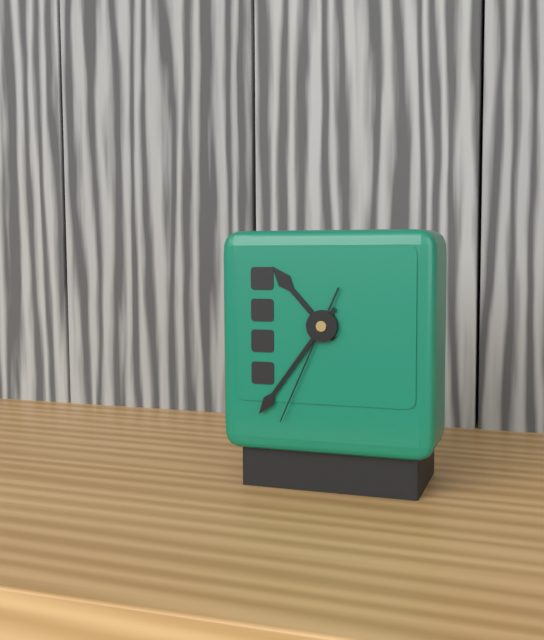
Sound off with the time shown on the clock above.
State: 10:36:34
